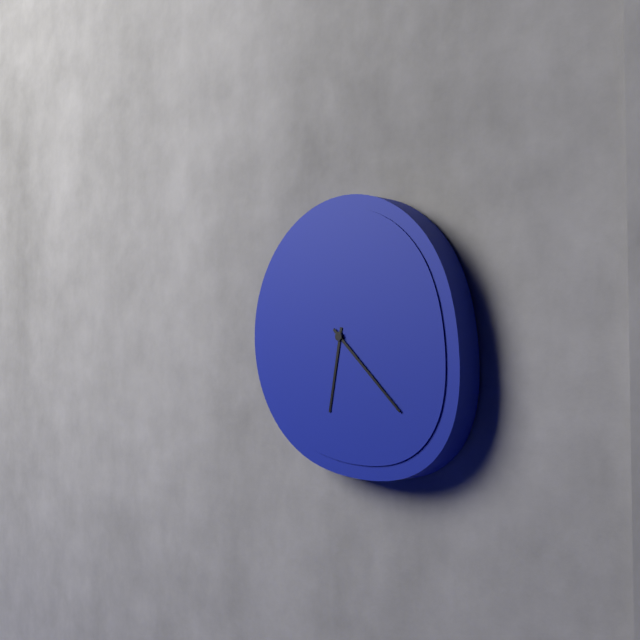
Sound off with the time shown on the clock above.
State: 6:22
